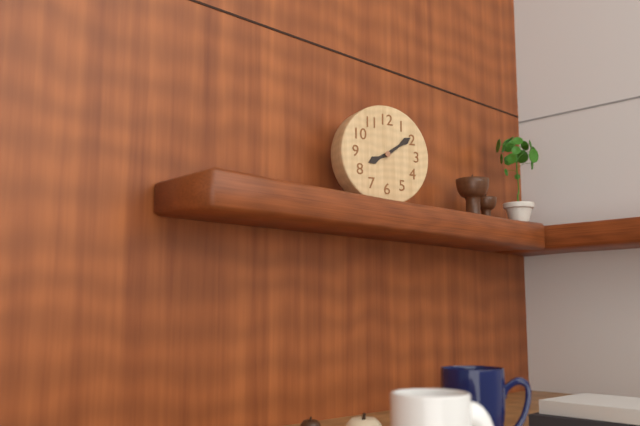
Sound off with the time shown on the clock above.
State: 8:09
